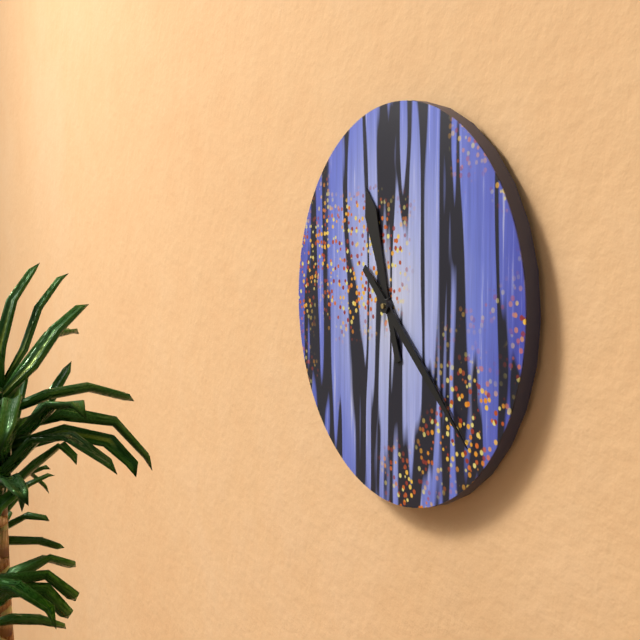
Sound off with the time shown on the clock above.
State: 11:22
